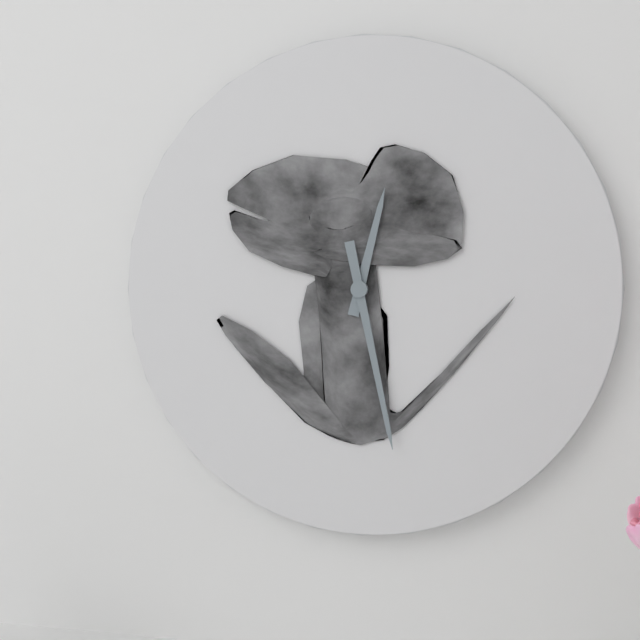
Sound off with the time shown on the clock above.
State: 12:28
